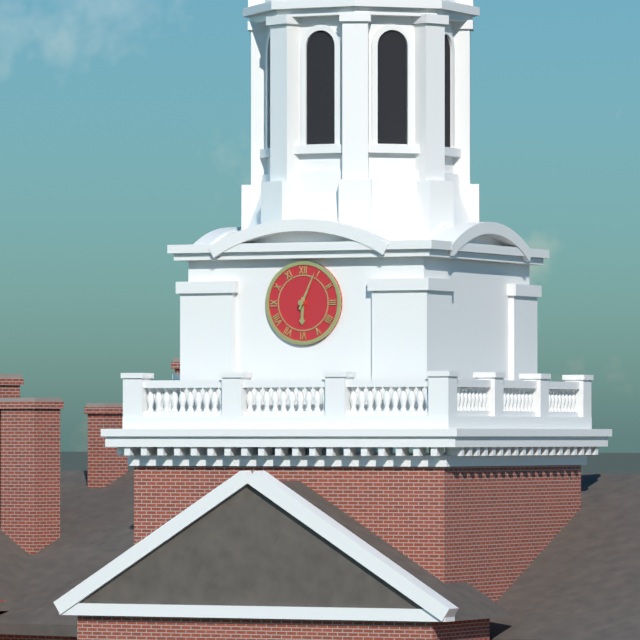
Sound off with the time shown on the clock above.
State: 6:04
